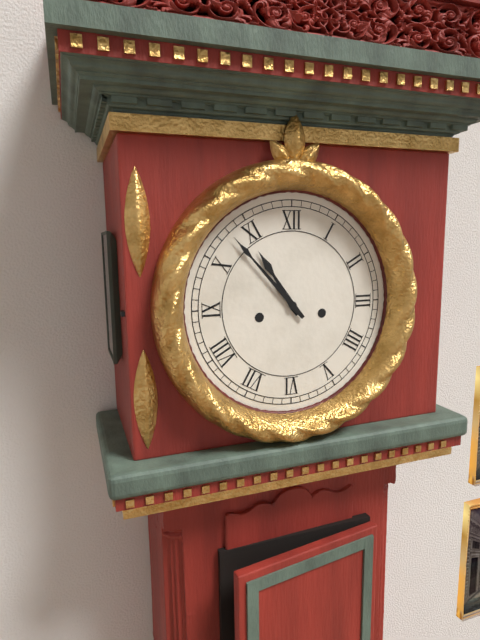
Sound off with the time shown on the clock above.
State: 10:53
